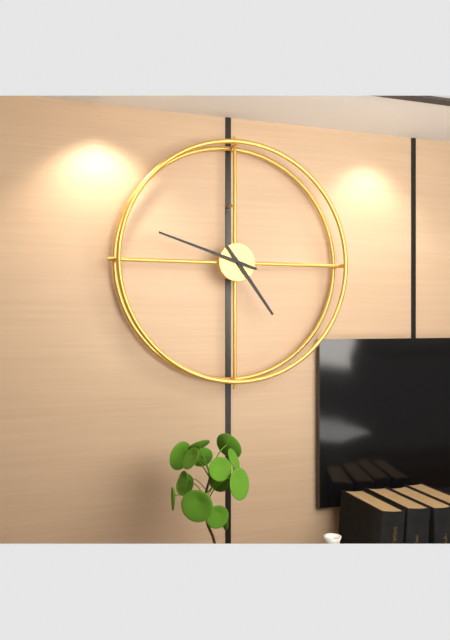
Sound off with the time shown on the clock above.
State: 4:48
